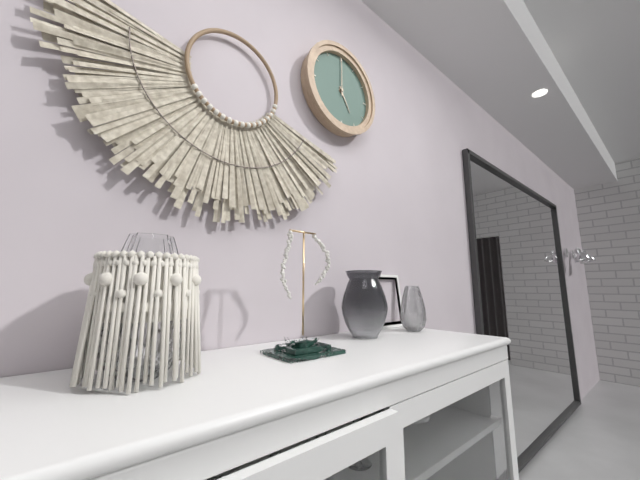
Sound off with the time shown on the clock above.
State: 5:00
